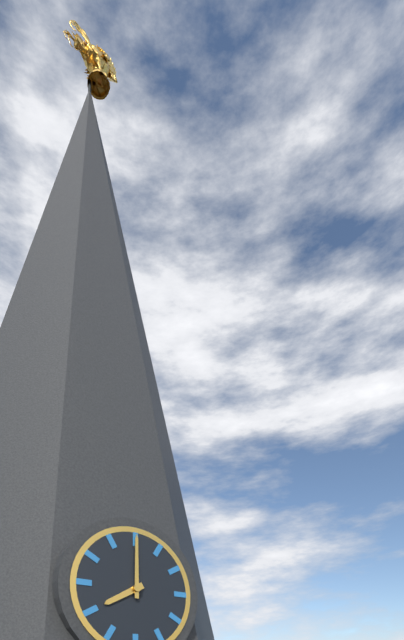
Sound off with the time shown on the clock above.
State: 8:00
